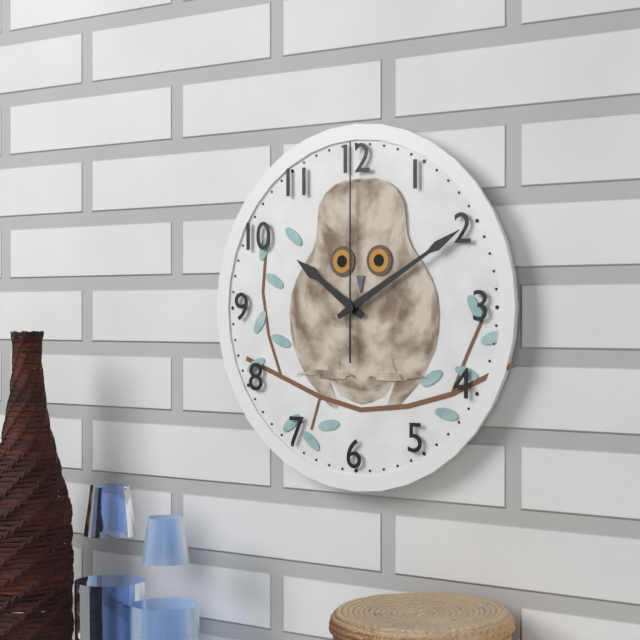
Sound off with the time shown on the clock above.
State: 10:10:00
